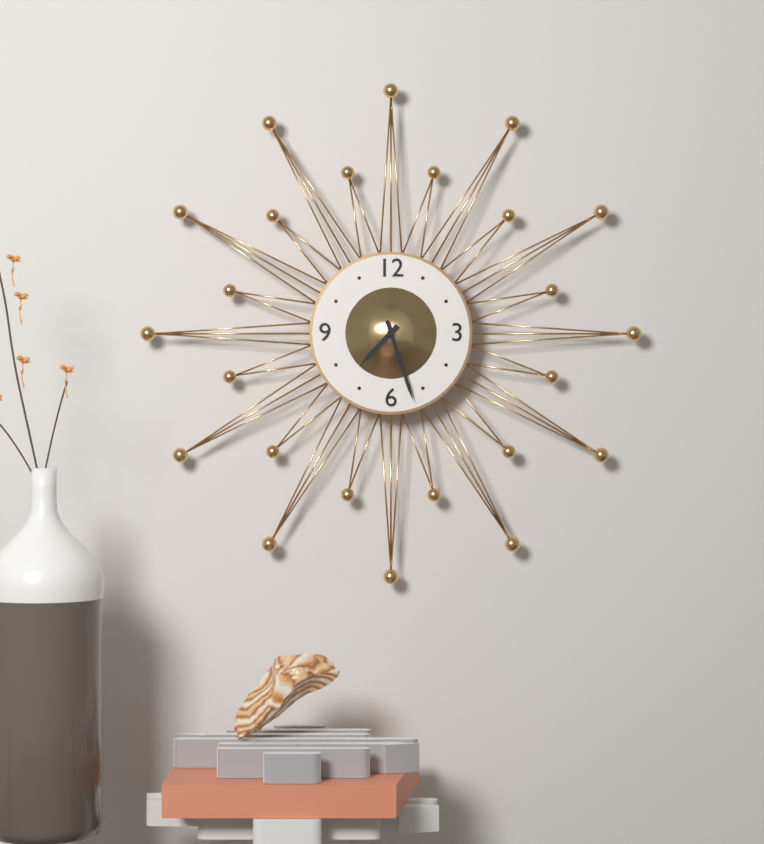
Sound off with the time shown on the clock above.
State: 7:27
